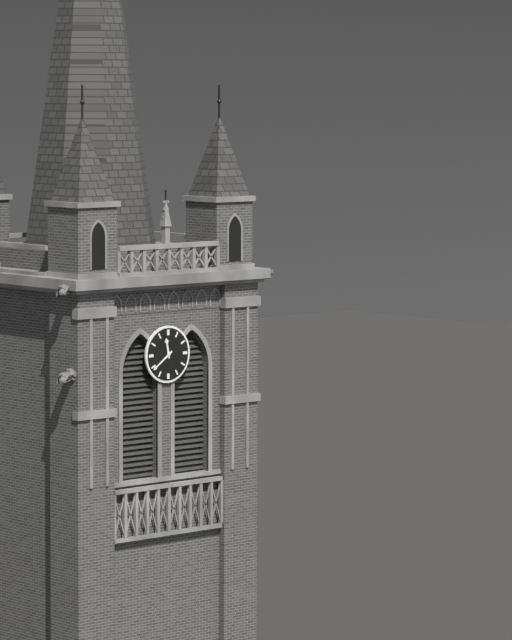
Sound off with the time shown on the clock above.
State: 11:39
